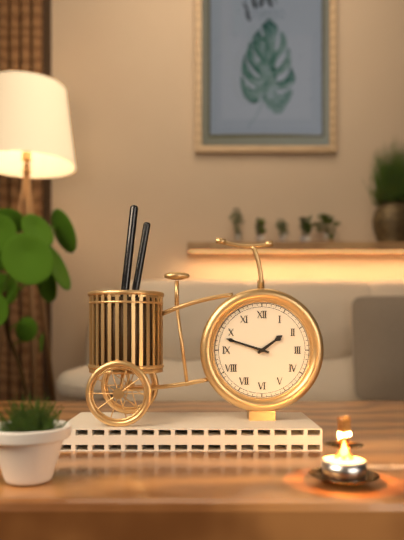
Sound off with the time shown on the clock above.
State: 1:48
